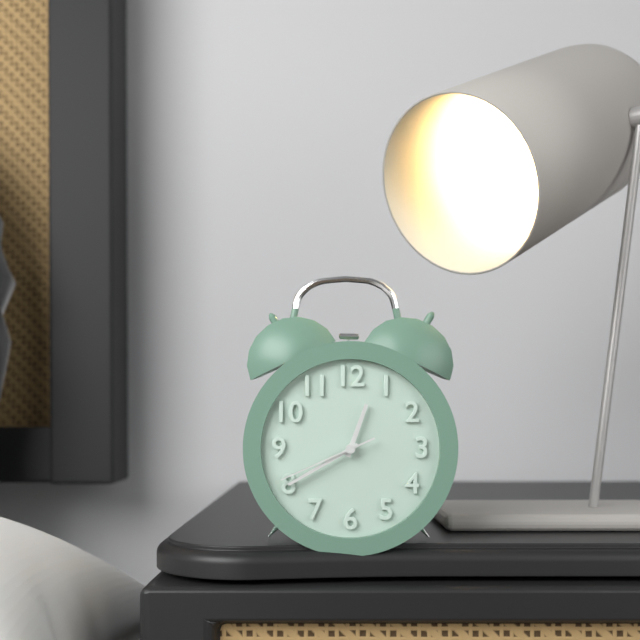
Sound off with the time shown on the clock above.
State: 12:40:41
